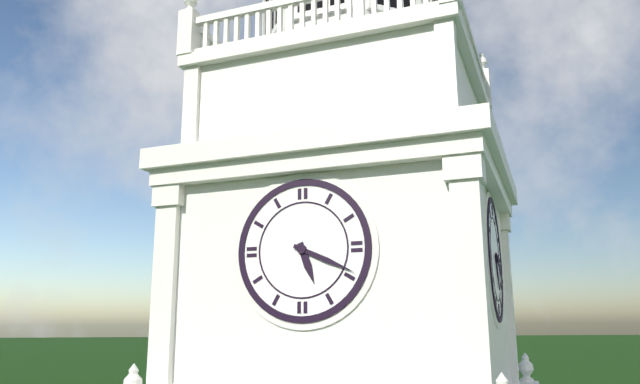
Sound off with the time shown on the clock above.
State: 5:19
